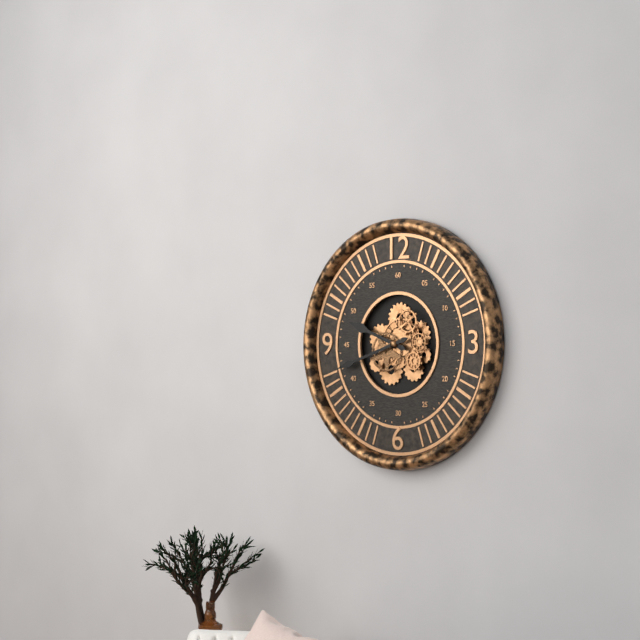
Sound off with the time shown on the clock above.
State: 9:42
